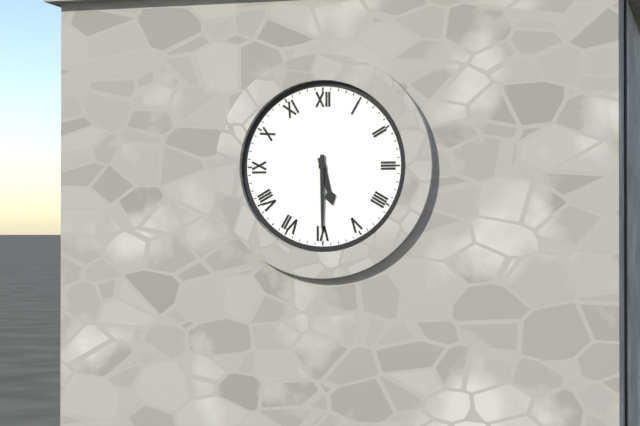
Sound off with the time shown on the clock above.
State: 5:30
